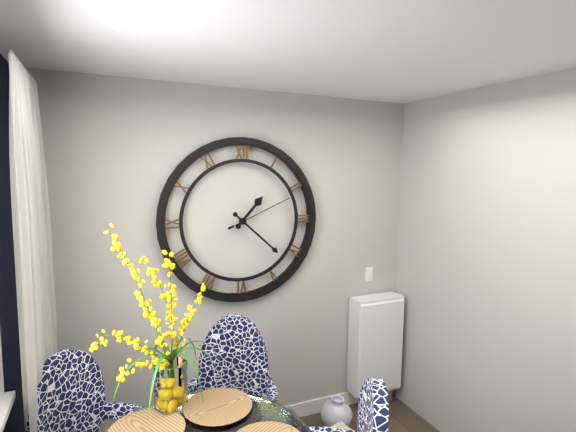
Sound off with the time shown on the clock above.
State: 1:22:11
